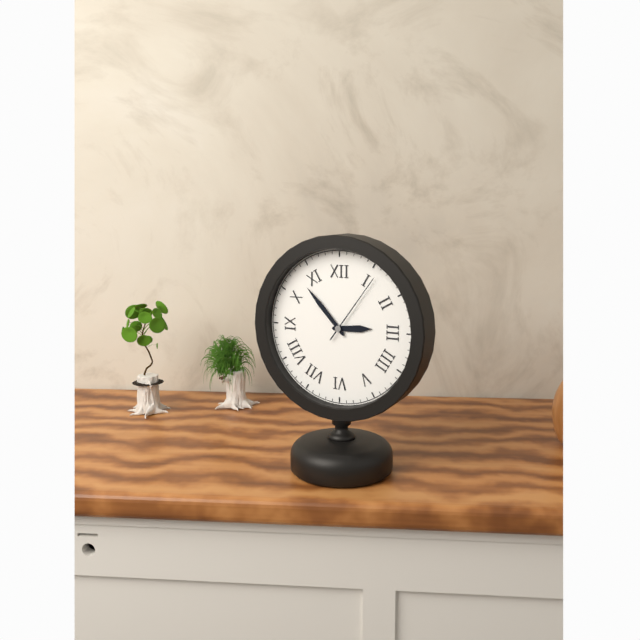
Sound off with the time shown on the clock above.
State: 2:53:06
